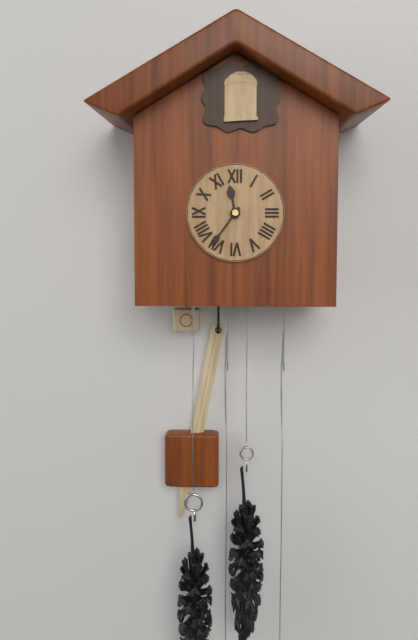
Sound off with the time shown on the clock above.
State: 11:36
